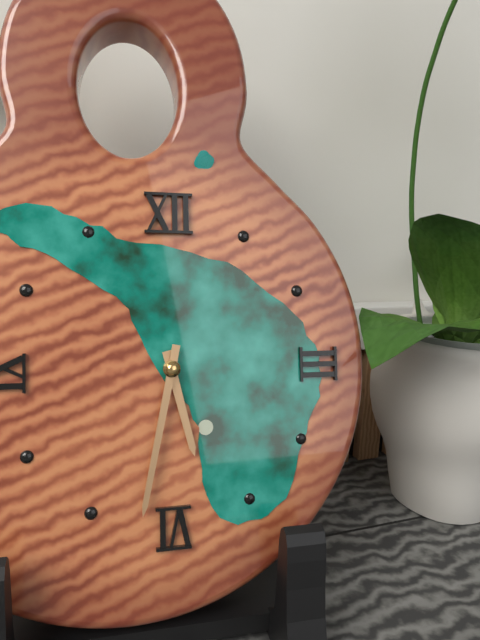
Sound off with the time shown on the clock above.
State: 5:32
